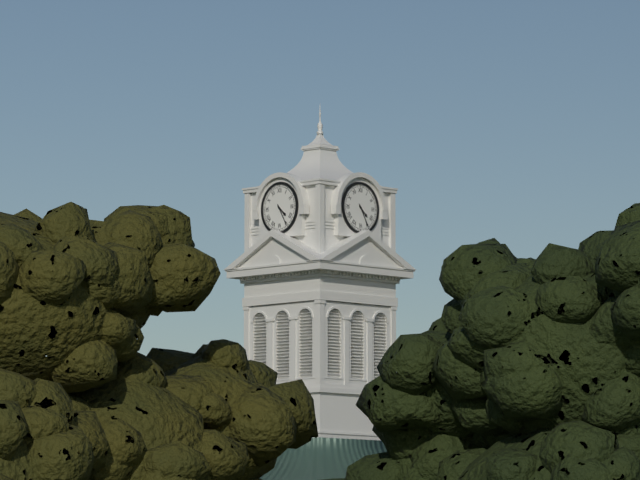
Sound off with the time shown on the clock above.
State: 4:25
